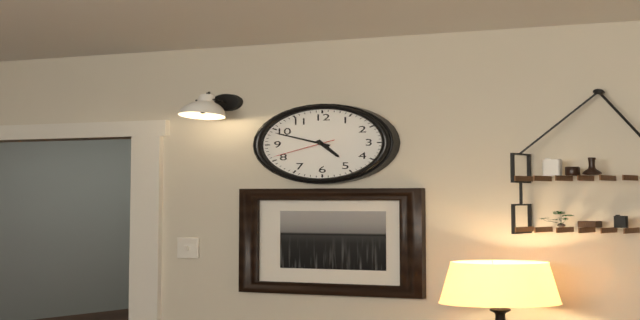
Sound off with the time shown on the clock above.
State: 4:49:41
